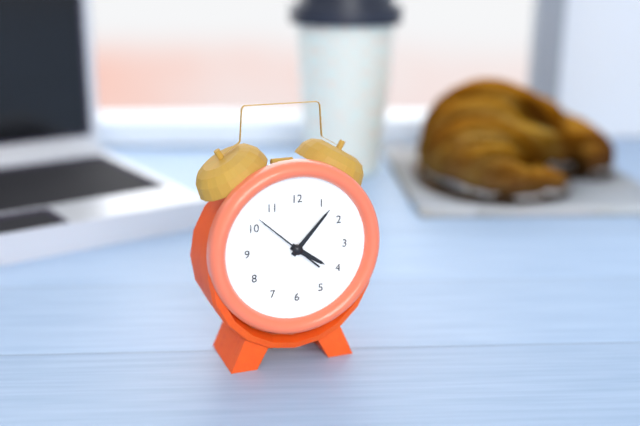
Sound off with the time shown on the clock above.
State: 4:07:52
